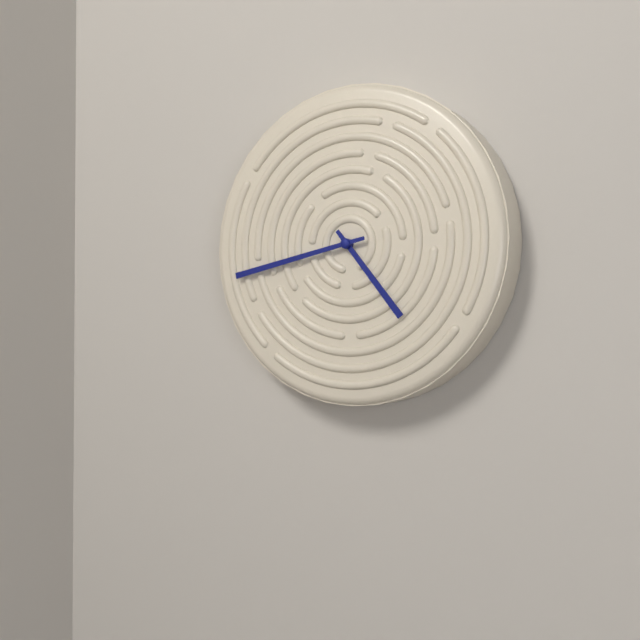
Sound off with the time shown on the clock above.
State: 4:43
